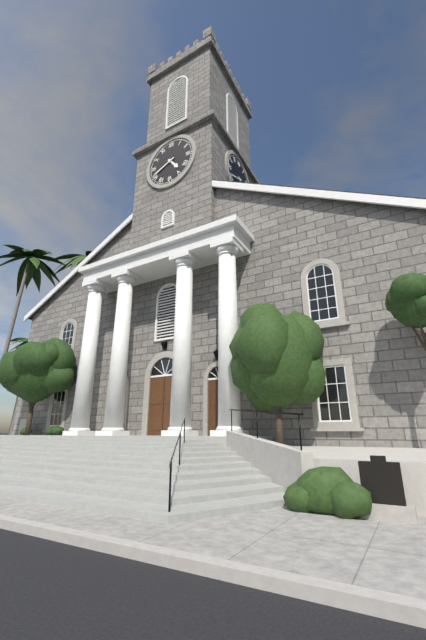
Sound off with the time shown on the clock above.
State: 4:41
